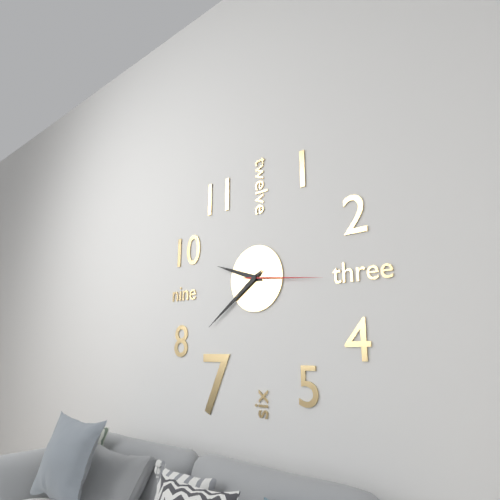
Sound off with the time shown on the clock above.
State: 9:39:16
